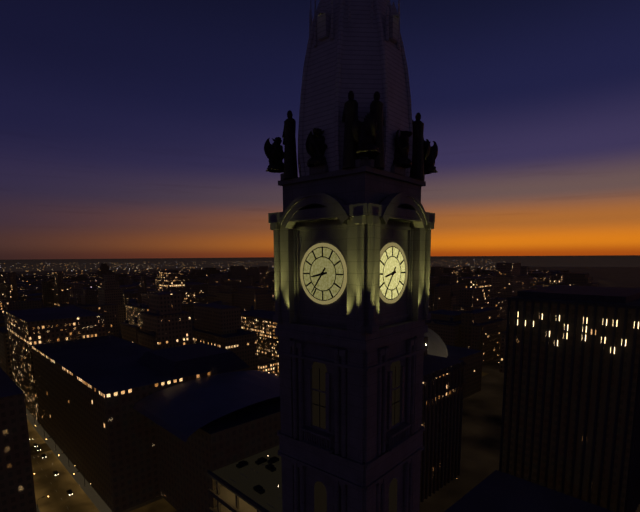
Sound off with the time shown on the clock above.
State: 8:36
